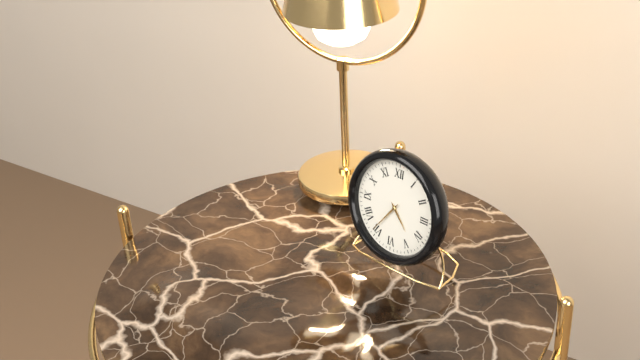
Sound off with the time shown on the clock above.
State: 4:36
